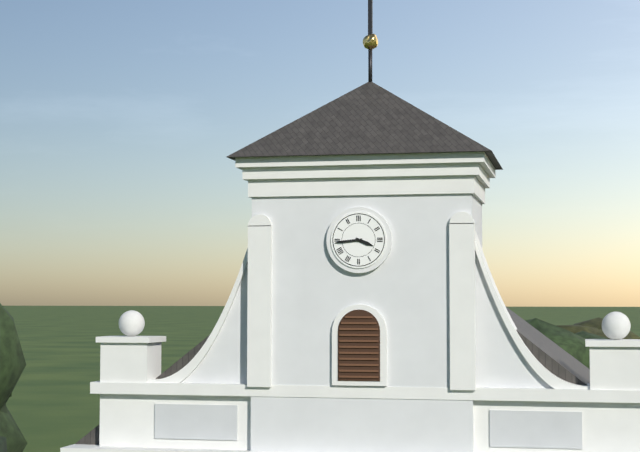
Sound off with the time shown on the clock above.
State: 3:44
